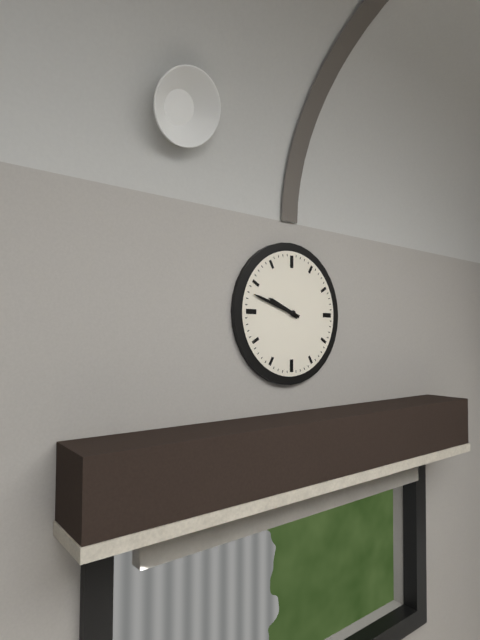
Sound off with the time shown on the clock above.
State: 9:48
